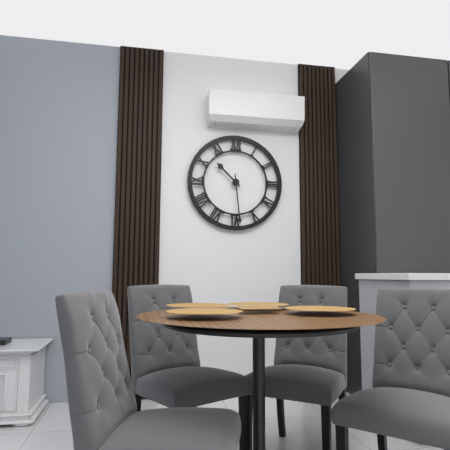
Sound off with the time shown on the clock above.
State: 10:29
